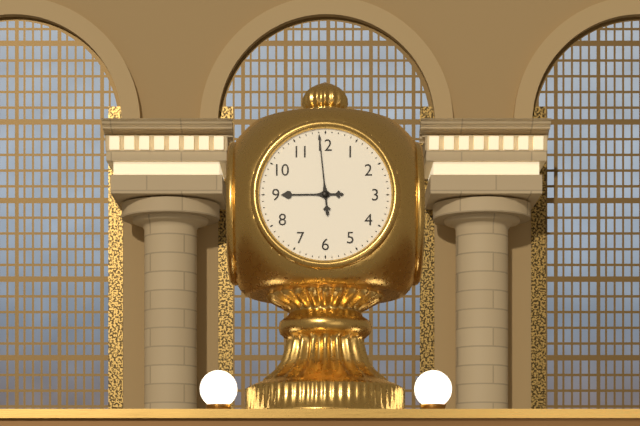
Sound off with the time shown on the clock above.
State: 8:59
